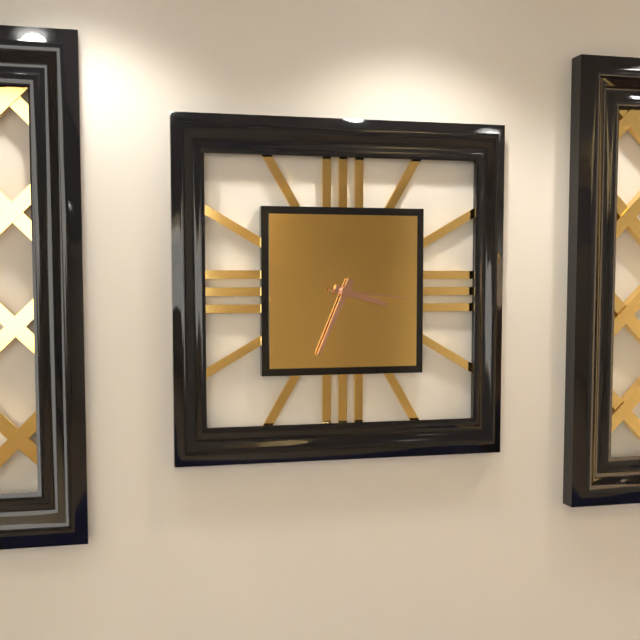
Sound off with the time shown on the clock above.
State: 3:34:16
